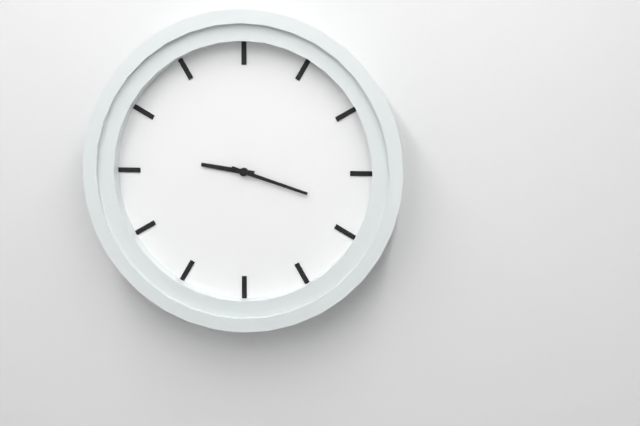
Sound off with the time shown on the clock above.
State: 9:18
